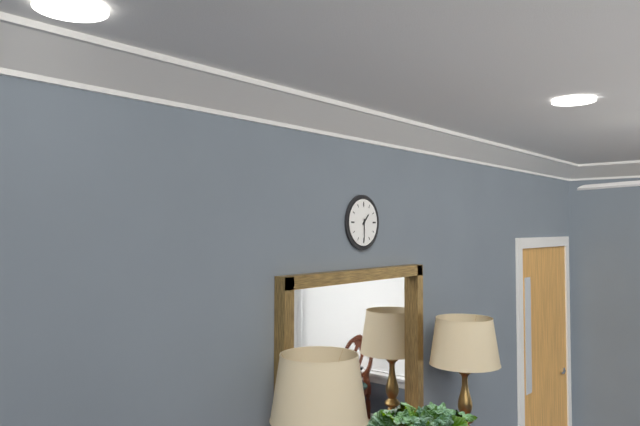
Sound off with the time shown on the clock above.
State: 1:30
